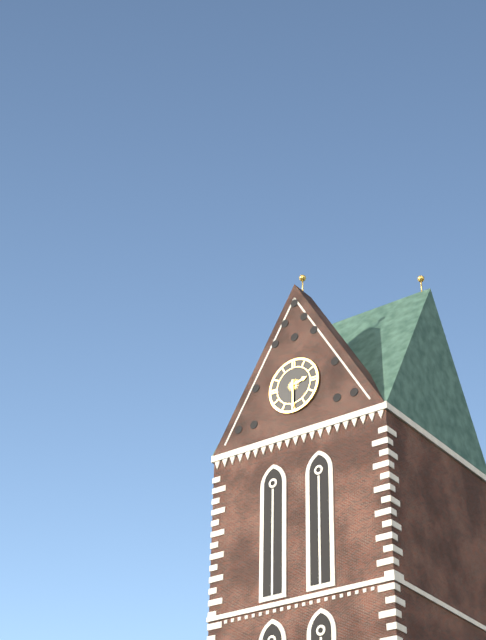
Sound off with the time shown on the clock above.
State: 2:30
